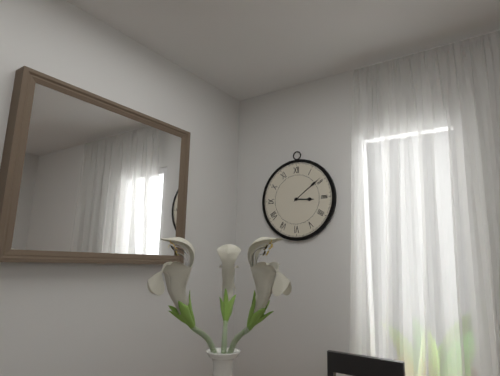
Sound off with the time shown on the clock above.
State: 3:09
